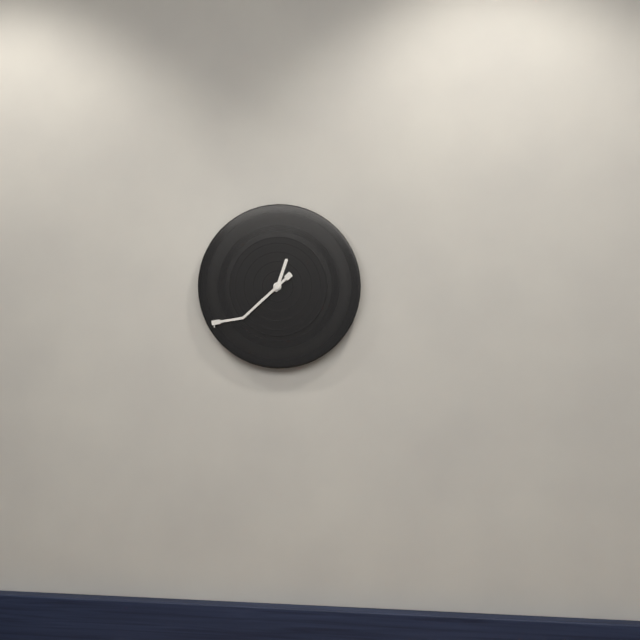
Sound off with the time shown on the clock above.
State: 12:38
